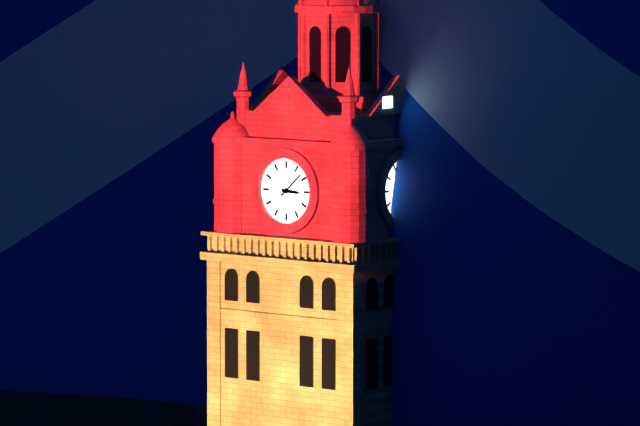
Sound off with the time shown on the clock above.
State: 3:08
